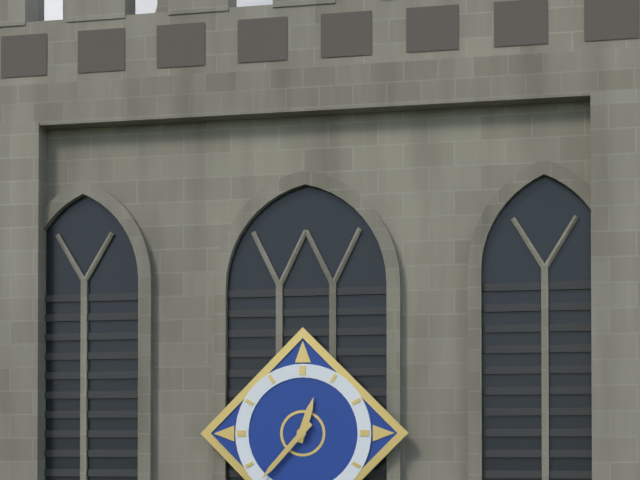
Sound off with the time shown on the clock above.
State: 12:37
